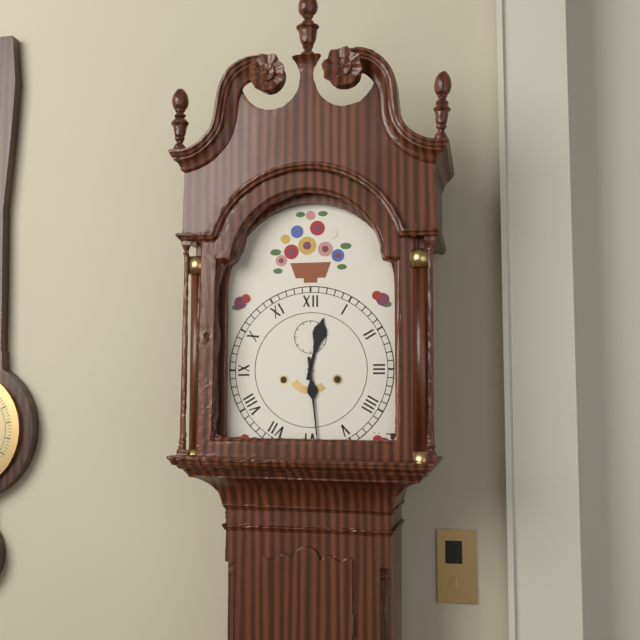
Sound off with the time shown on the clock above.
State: 12:29
